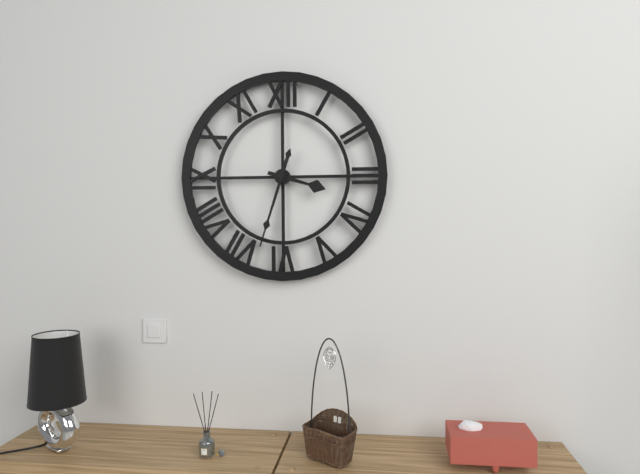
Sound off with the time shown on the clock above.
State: 3:33
